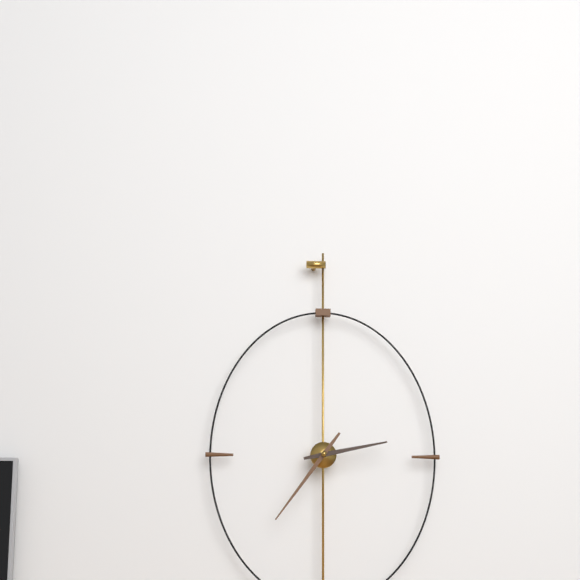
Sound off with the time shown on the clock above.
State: 2:36
